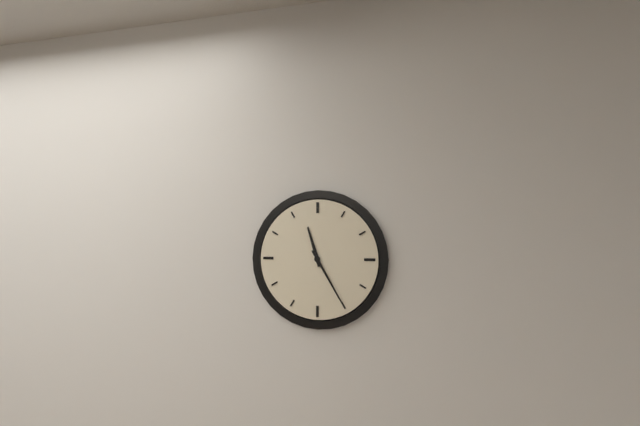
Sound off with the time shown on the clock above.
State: 11:25
